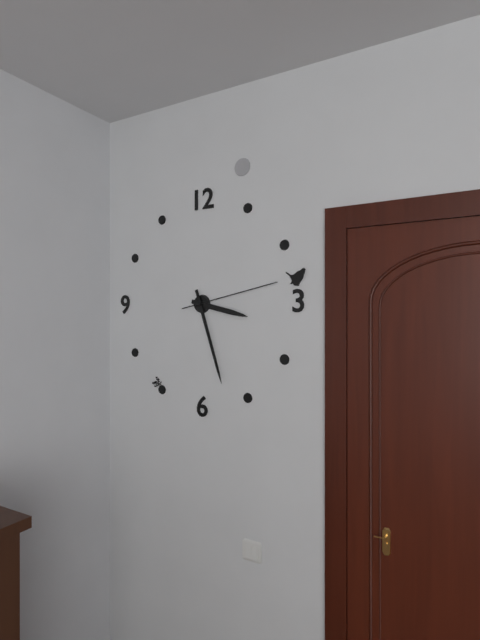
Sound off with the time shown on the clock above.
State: 3:27:13
